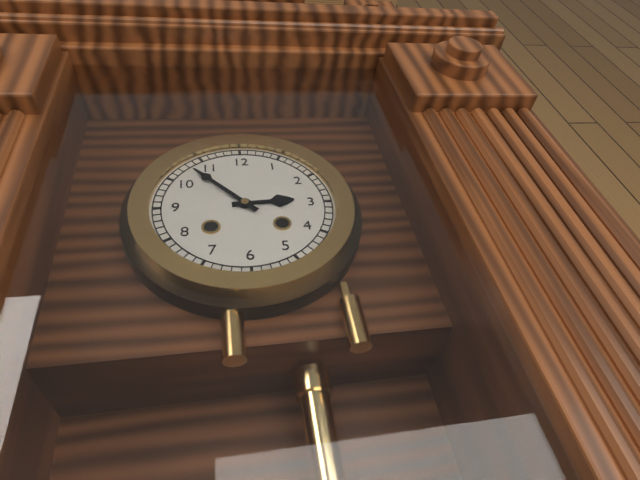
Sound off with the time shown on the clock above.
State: 2:53
